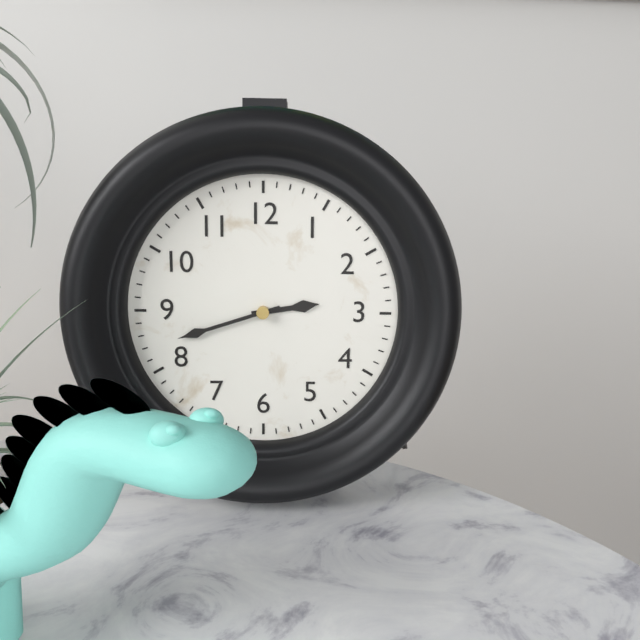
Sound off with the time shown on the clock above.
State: 2:42
